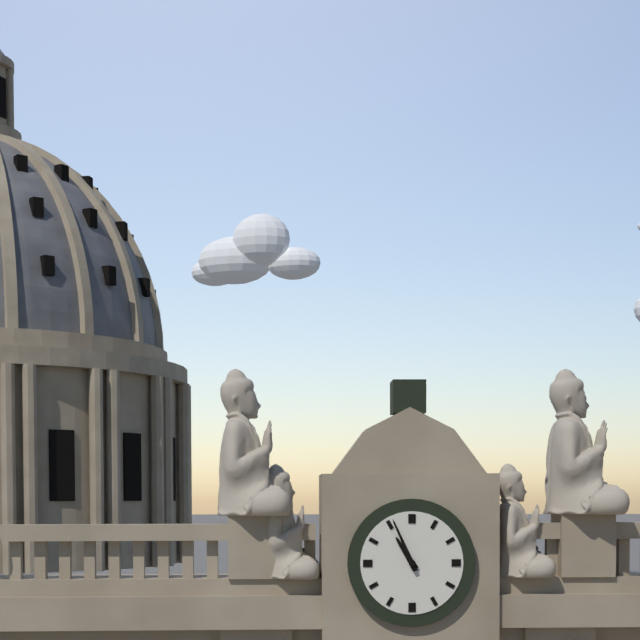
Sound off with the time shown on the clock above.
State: 10:56
